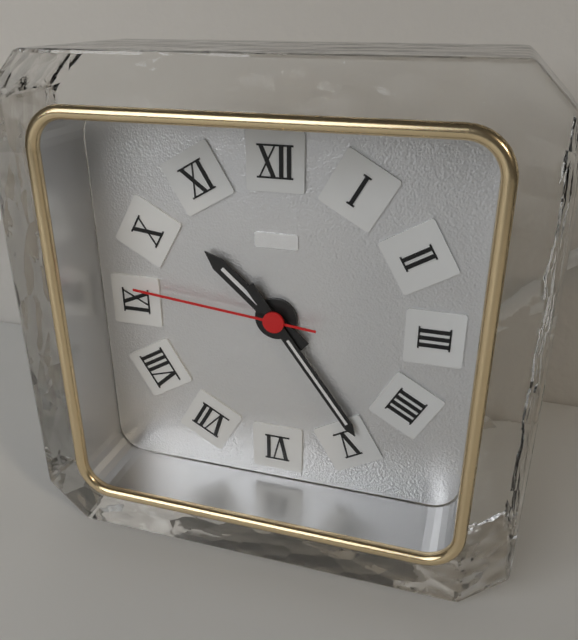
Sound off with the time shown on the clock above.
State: 10:24:46
